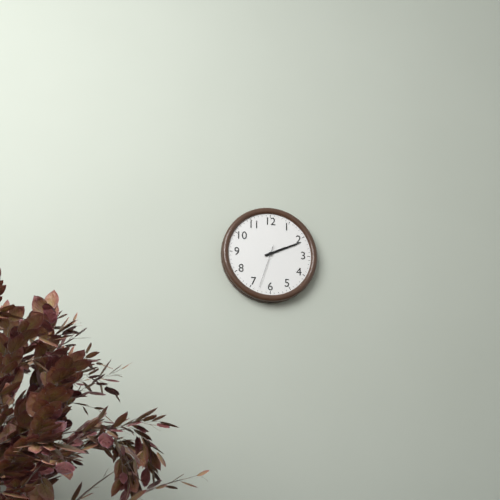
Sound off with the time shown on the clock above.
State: 2:11
